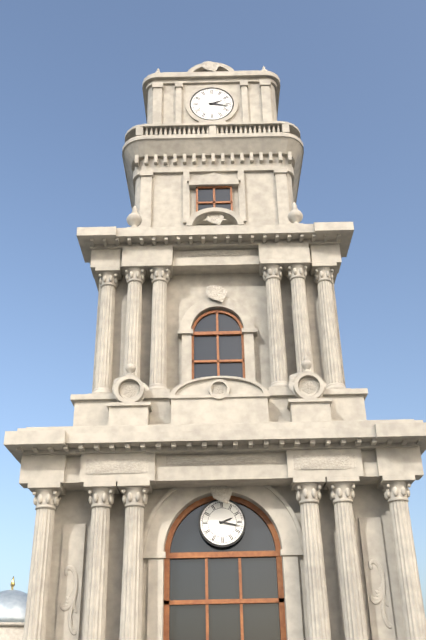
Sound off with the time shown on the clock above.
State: 2:17
